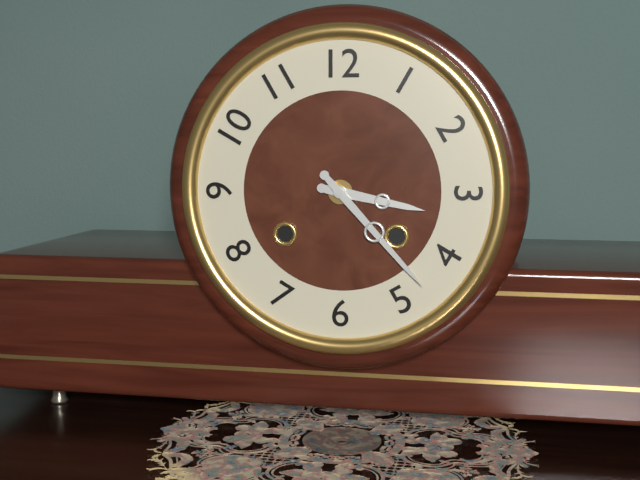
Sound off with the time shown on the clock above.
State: 3:23
